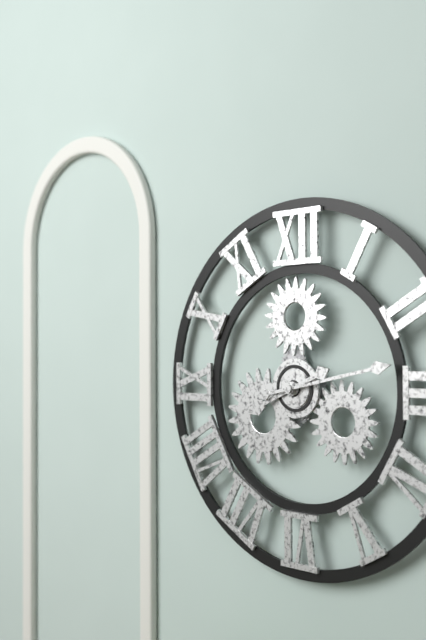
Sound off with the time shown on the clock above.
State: 8:13
